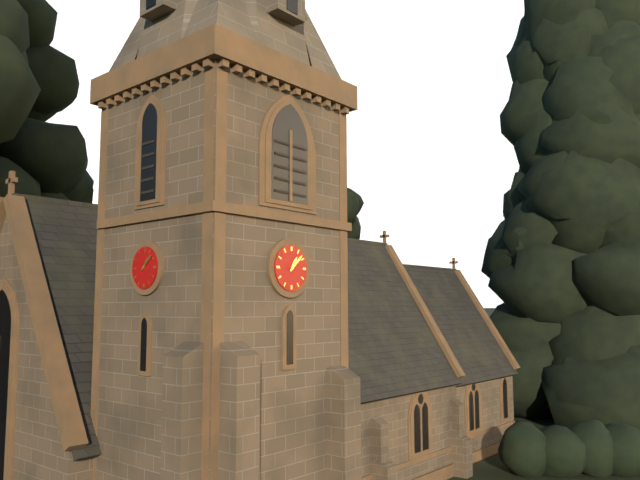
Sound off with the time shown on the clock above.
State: 1:08
